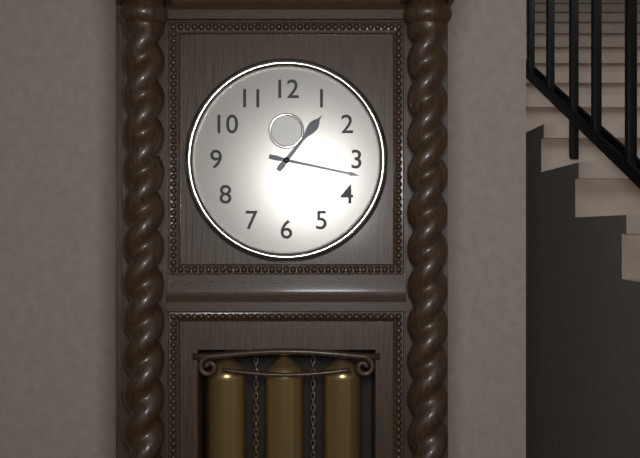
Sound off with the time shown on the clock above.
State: 1:17
